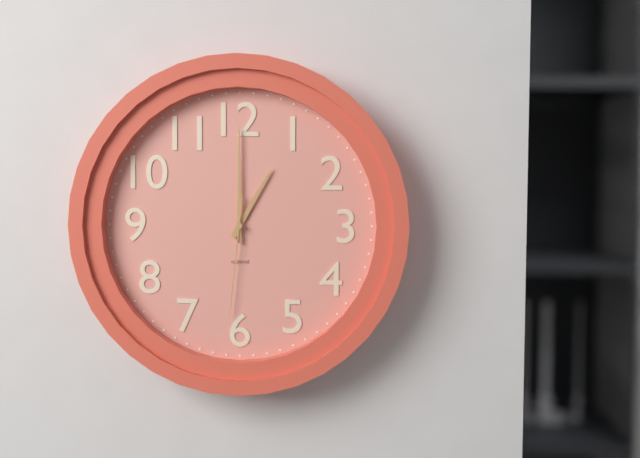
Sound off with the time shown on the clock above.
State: 1:00:31
